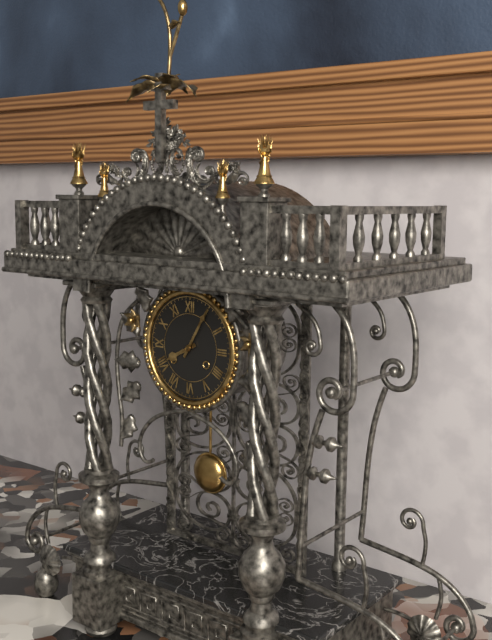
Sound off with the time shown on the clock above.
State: 8:05
